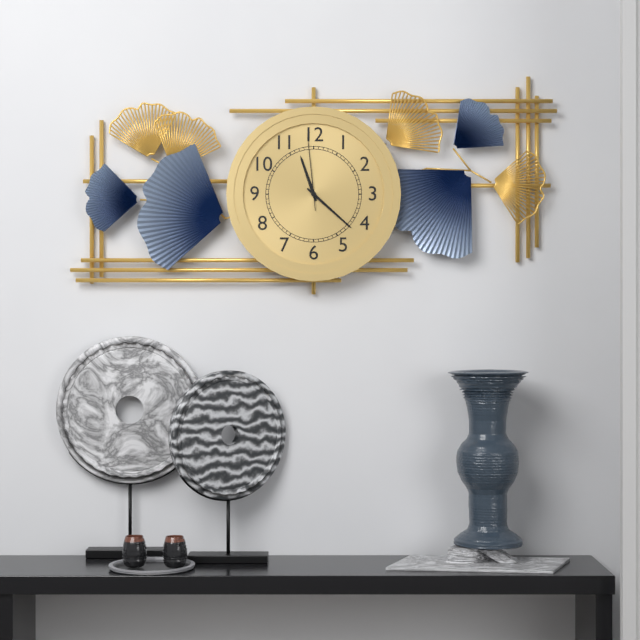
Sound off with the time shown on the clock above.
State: 11:22:59
